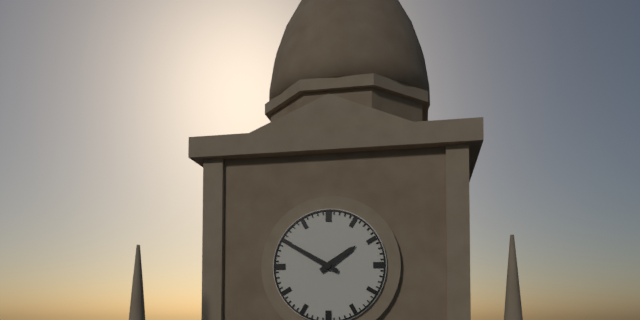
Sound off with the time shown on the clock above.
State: 1:50
